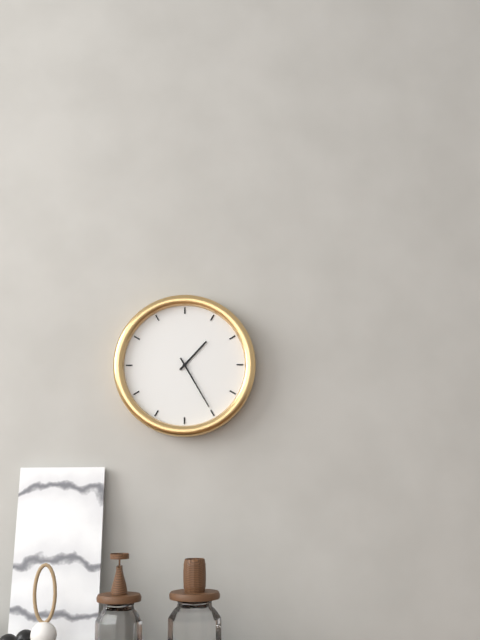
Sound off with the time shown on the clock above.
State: 1:25
